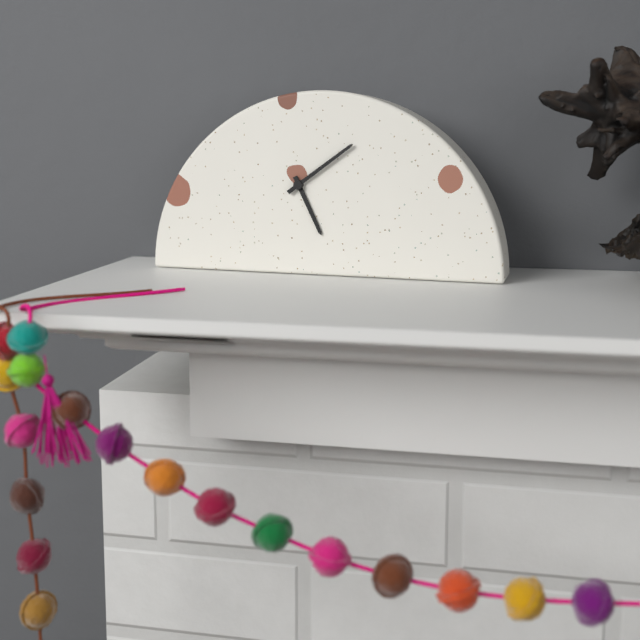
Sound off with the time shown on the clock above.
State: 5:09
